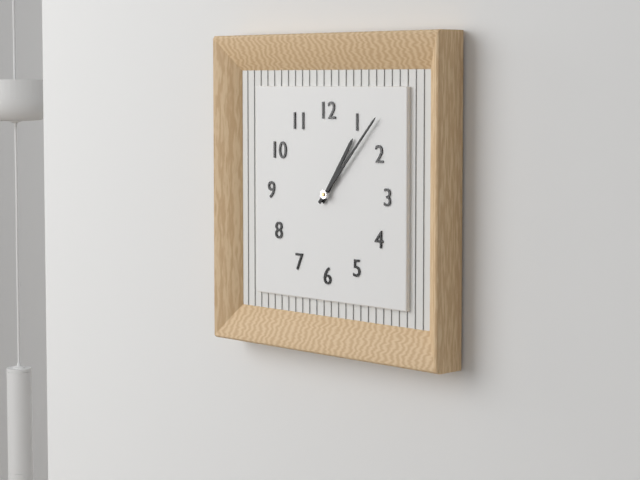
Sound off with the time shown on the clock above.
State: 1:07
